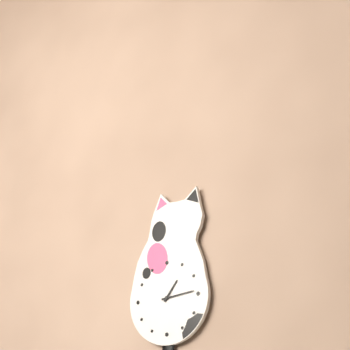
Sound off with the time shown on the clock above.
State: 1:14
